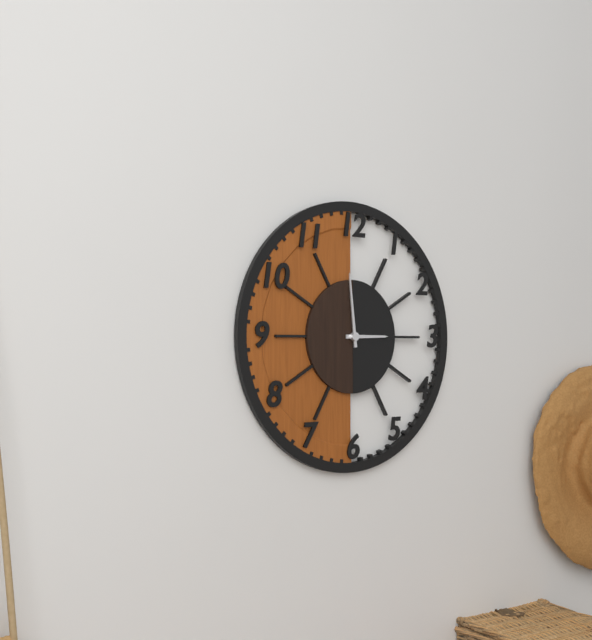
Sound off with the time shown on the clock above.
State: 2:59
